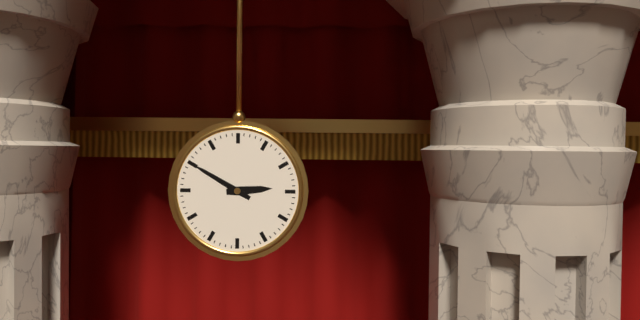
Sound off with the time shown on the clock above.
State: 2:50
